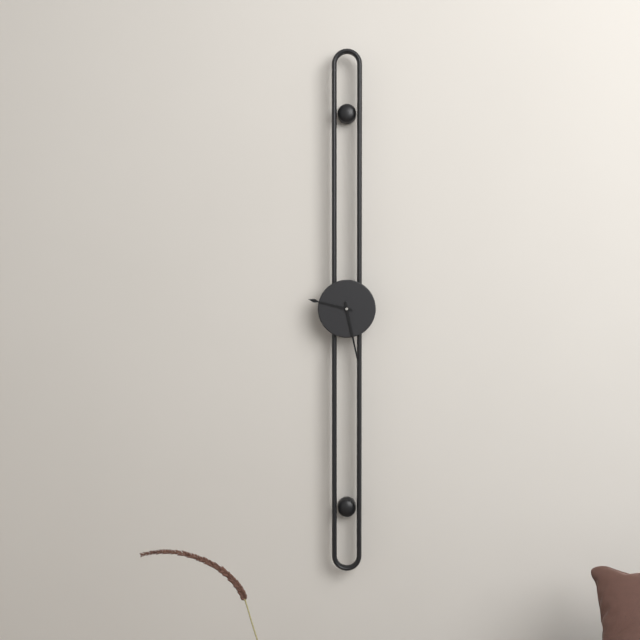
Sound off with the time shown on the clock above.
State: 9:28
